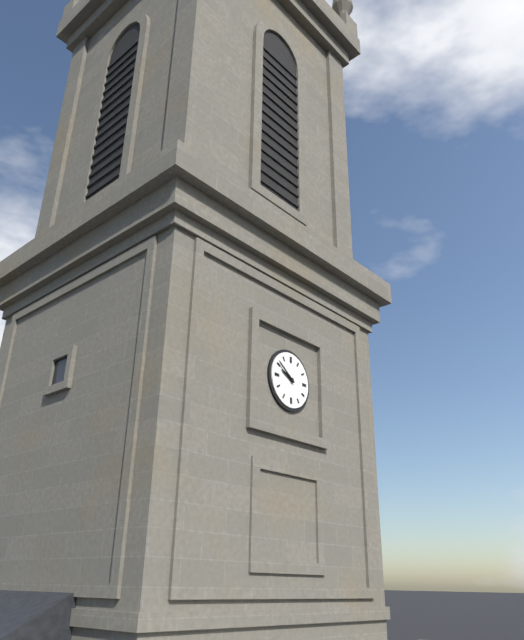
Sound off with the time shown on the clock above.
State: 9:51
